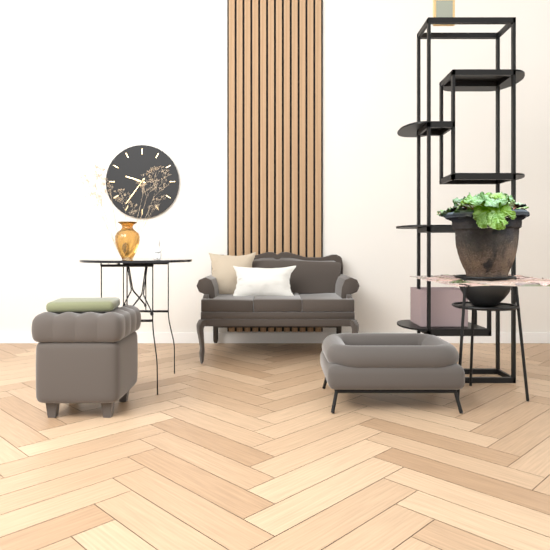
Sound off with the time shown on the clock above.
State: 9:36
